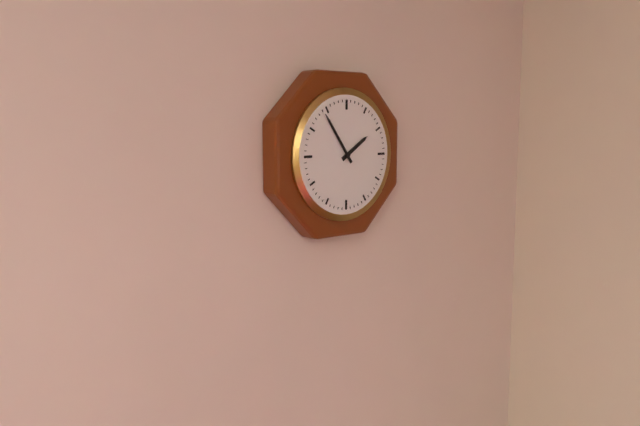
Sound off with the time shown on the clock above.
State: 1:54
